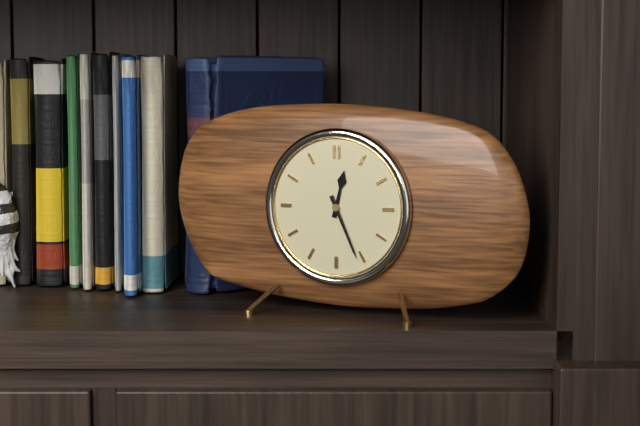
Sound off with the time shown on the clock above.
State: 12:26
